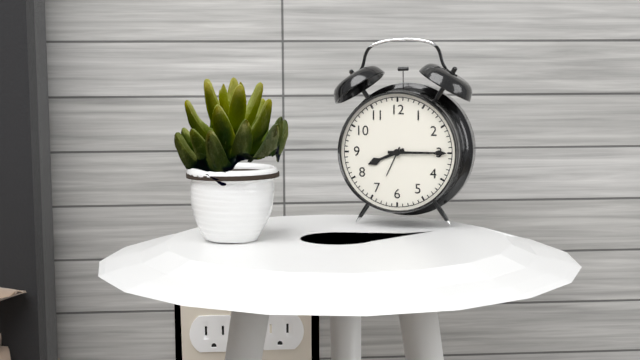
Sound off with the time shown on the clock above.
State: 8:15
